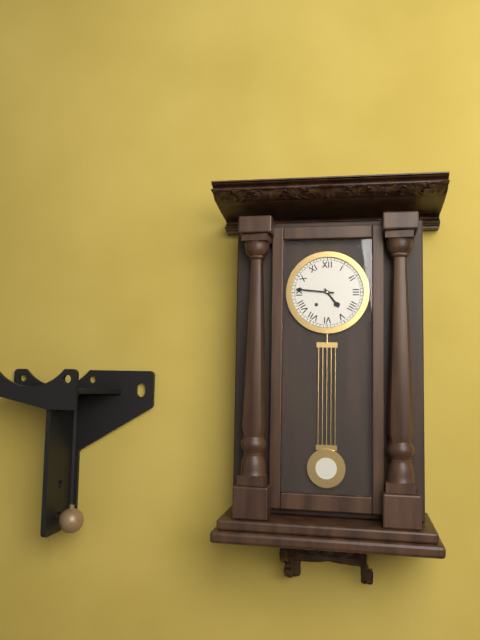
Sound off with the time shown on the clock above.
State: 4:46
